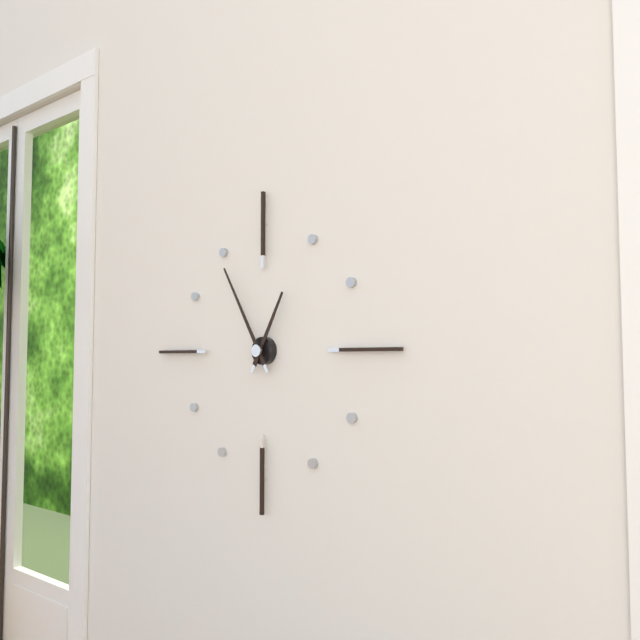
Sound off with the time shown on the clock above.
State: 12:55
